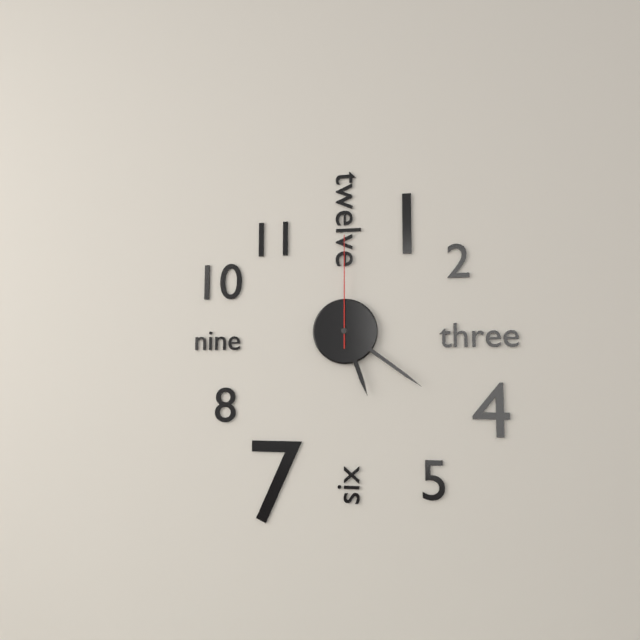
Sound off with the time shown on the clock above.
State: 5:21:00
